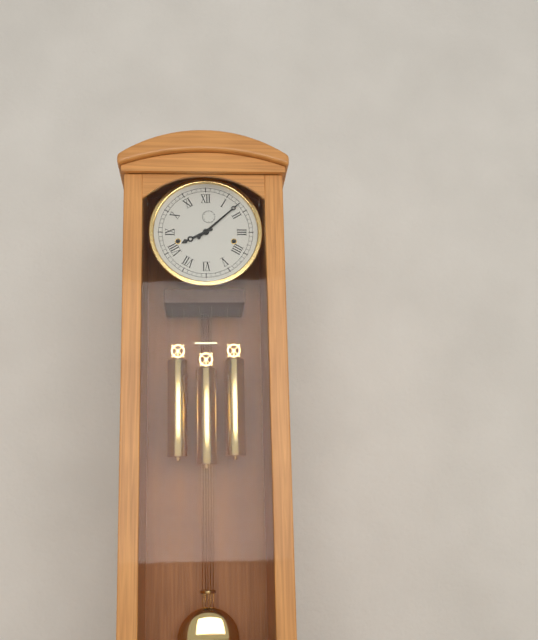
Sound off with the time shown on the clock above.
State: 8:08
